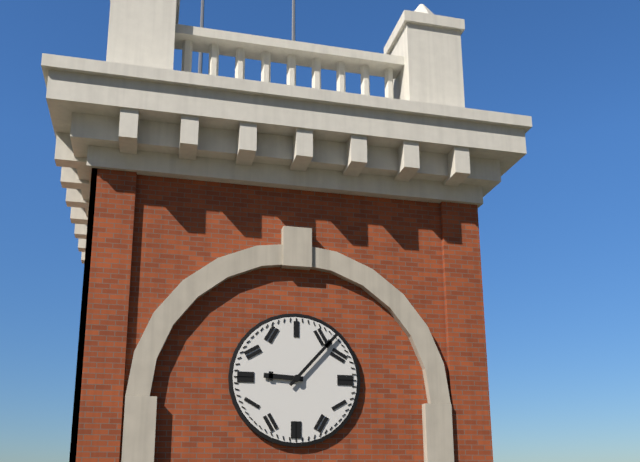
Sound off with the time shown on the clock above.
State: 9:07
